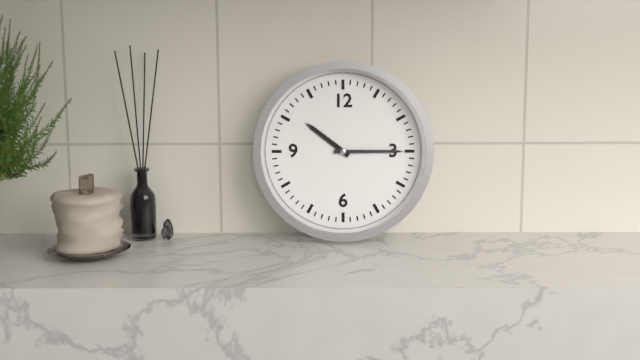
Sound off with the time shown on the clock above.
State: 10:15
